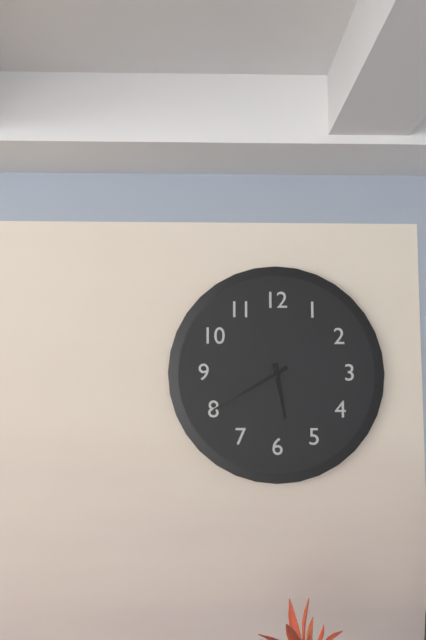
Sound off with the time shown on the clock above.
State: 5:40
